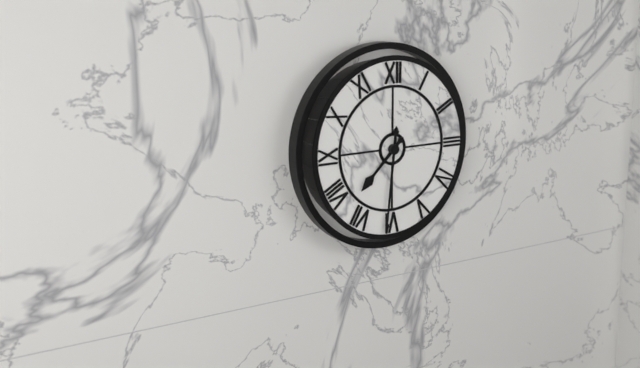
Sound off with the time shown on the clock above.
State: 7:31
